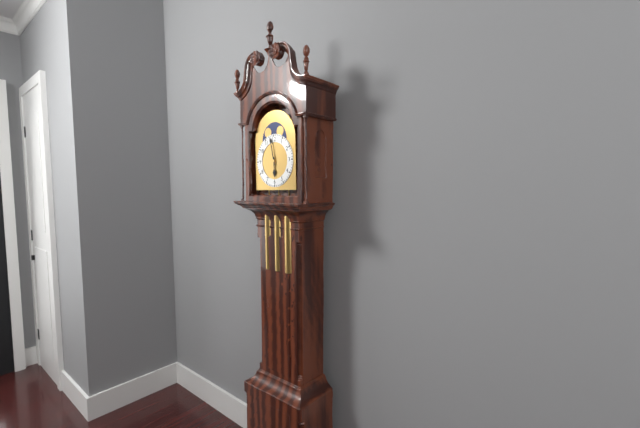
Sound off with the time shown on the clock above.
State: 5:58
